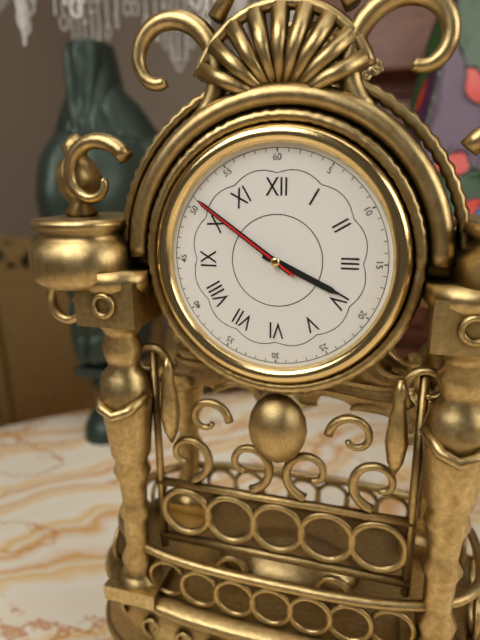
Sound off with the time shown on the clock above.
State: 3:51:51
